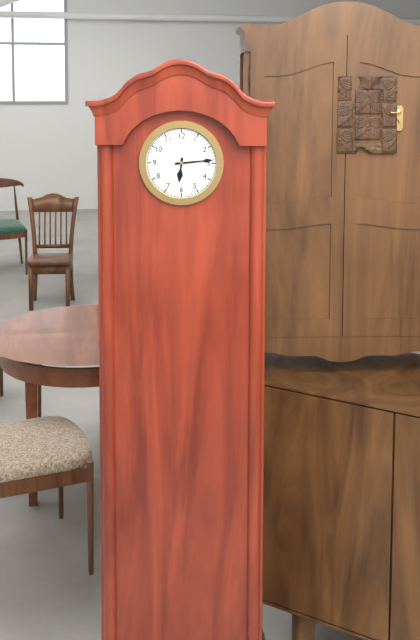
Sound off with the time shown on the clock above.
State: 6:14
